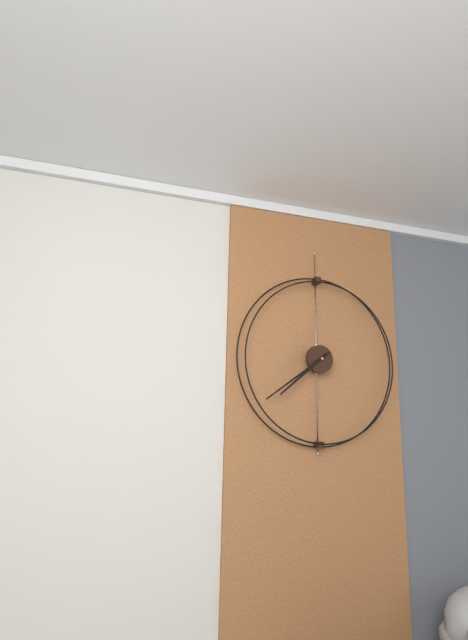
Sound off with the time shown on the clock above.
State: 7:39
